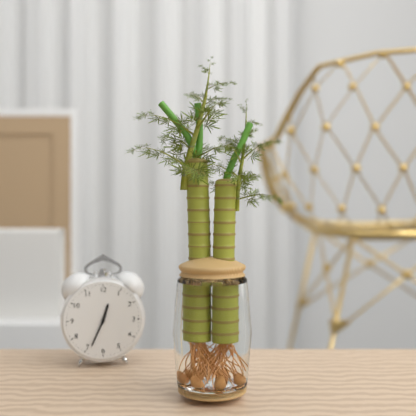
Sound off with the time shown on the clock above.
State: 12:34
